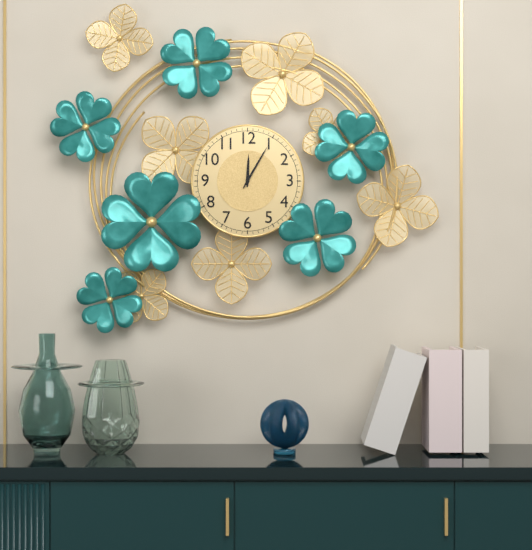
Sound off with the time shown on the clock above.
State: 12:05
